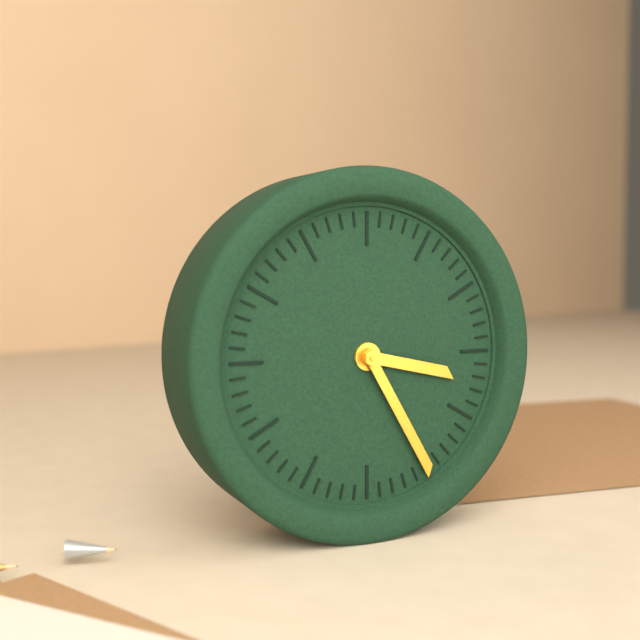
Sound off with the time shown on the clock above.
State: 3:25
